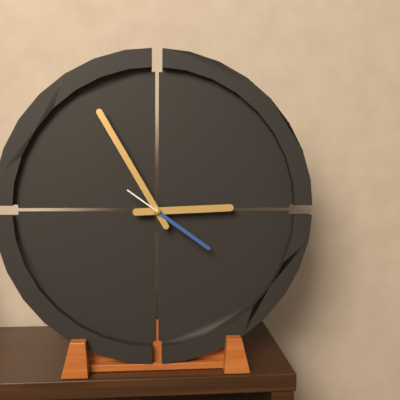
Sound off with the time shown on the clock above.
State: 2:55:21
